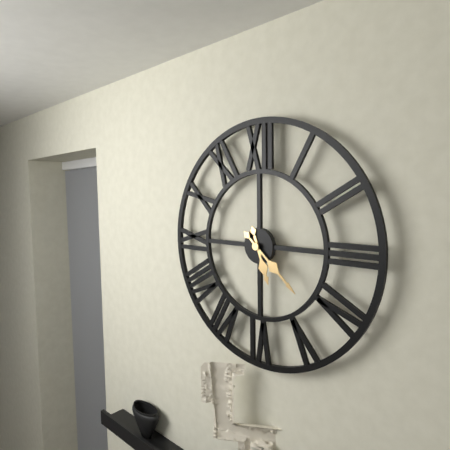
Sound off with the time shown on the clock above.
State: 5:22
